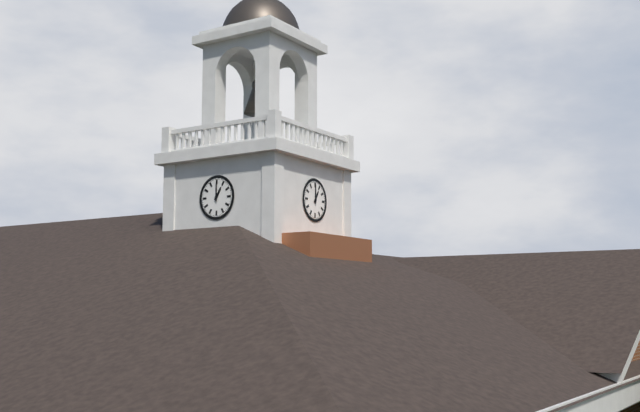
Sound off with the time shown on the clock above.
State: 1:00
